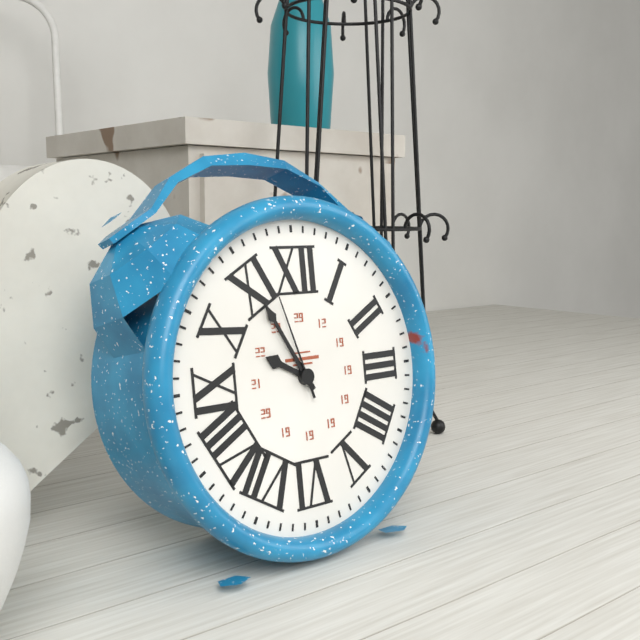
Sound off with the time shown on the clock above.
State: 9:55:57
